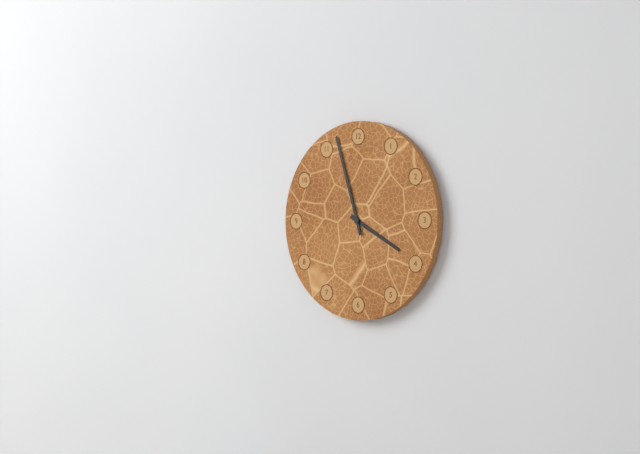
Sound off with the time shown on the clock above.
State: 3:57
